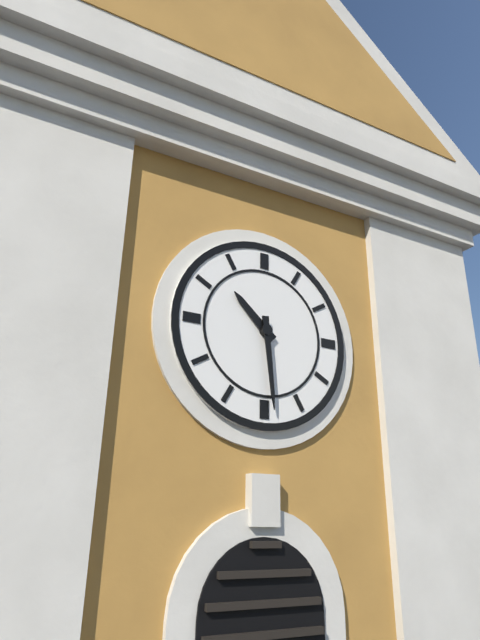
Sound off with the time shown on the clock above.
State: 10:29
